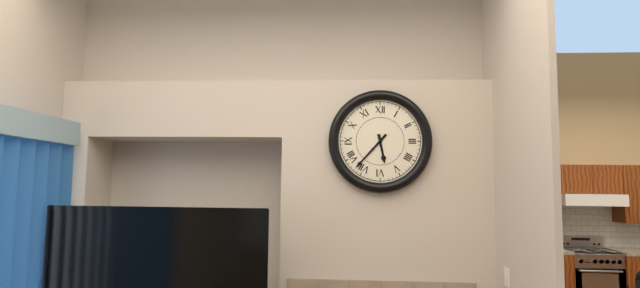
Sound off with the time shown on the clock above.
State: 5:37
